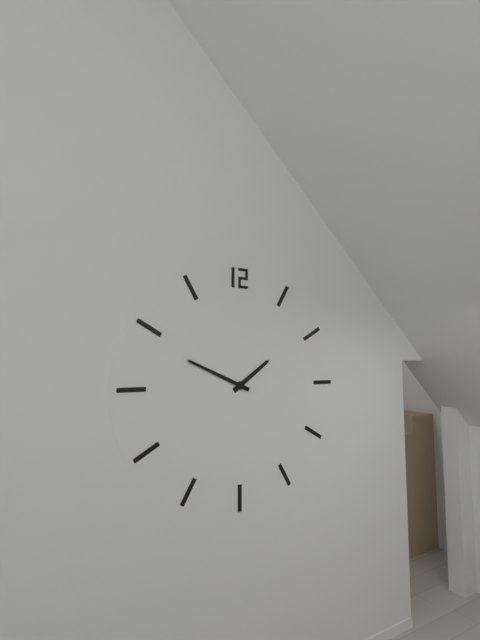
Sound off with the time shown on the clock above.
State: 1:49
